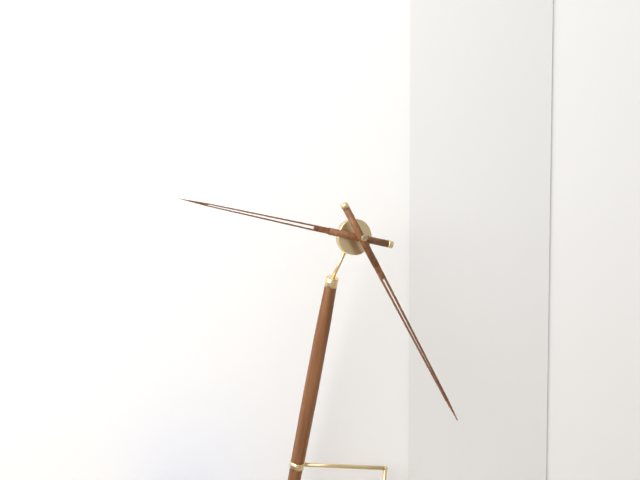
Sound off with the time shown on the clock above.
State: 9:25
